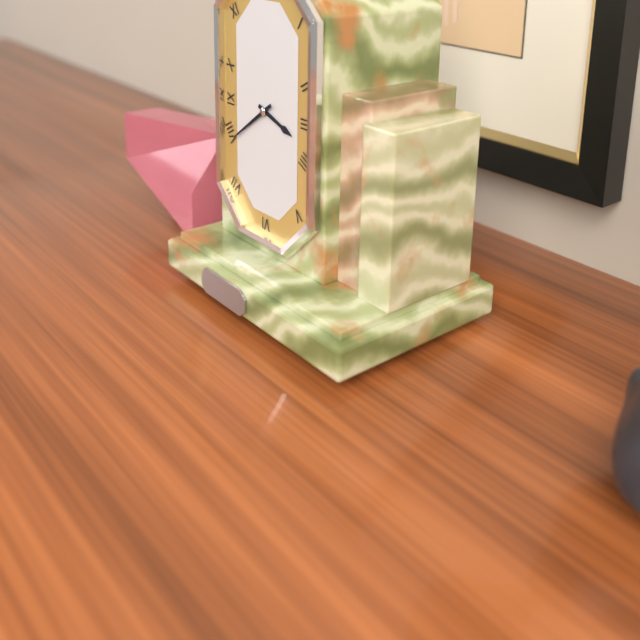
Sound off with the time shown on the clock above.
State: 3:39
